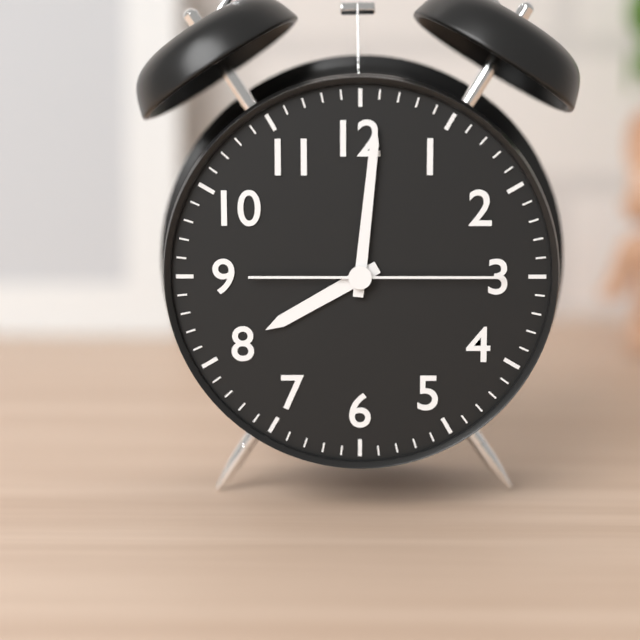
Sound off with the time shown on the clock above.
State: 8:01:15
